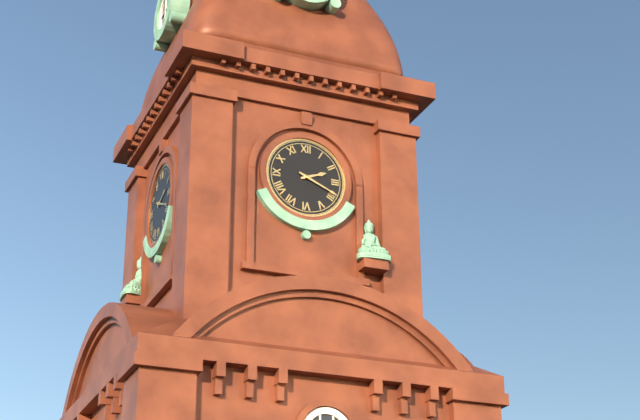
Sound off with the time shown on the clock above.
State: 2:19
